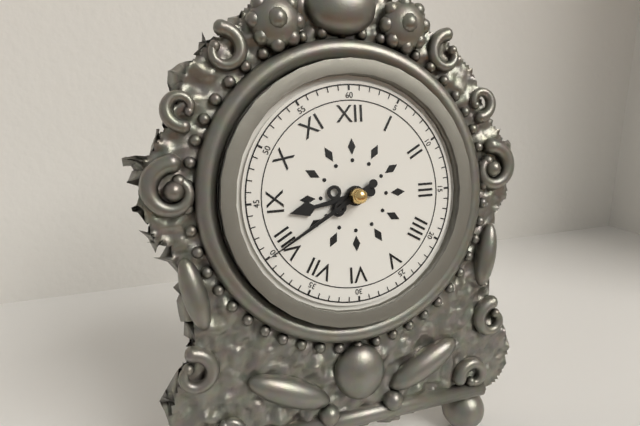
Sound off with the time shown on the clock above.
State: 8:40
